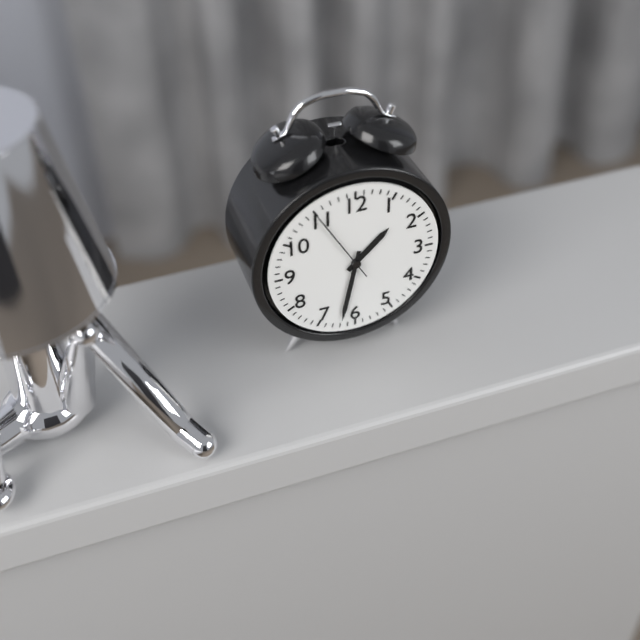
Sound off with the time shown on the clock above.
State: 1:32:55
